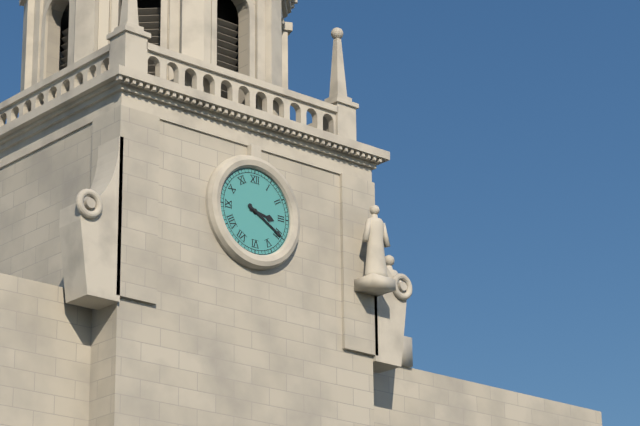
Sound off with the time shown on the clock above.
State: 3:20
